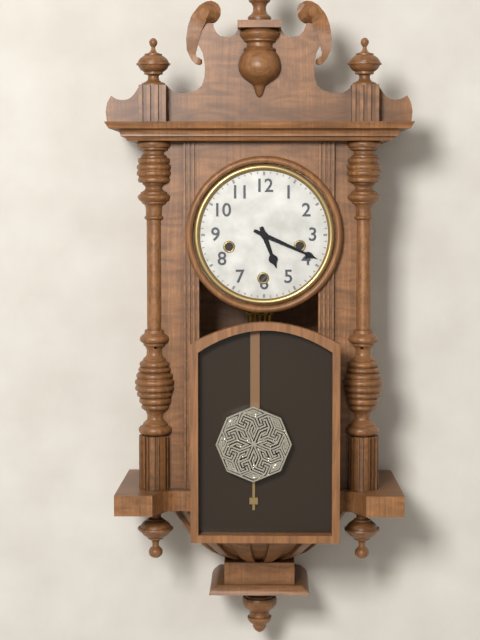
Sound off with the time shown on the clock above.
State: 5:19
